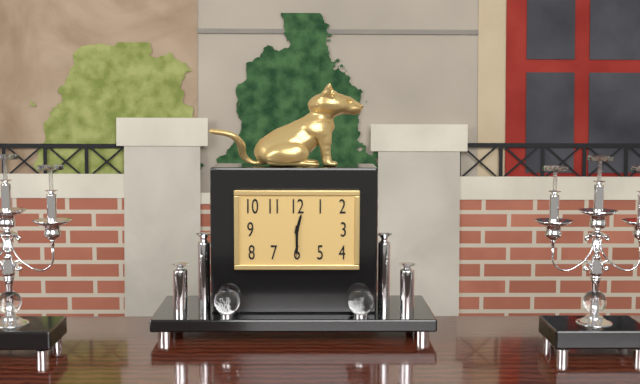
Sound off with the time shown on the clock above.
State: 12:30
